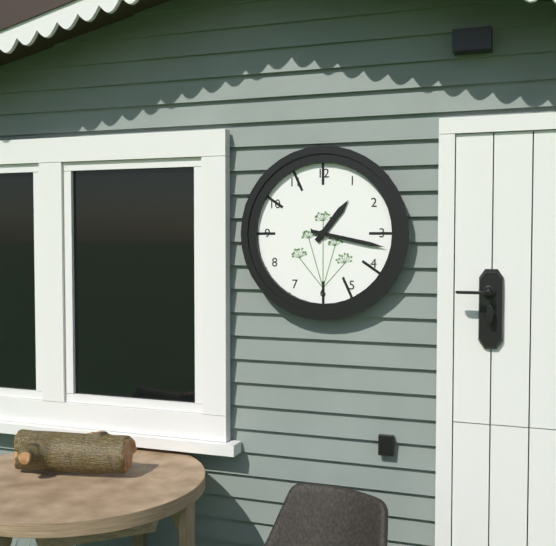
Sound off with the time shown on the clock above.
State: 1:17
